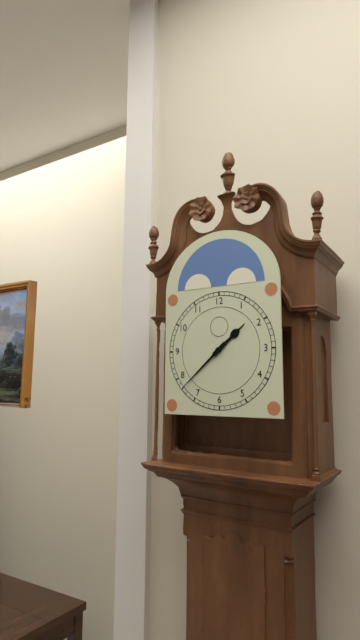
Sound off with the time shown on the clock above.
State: 1:38
